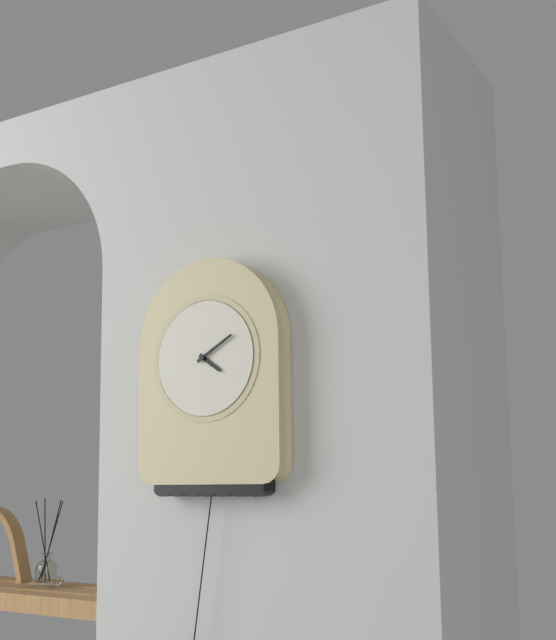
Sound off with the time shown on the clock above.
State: 4:10
